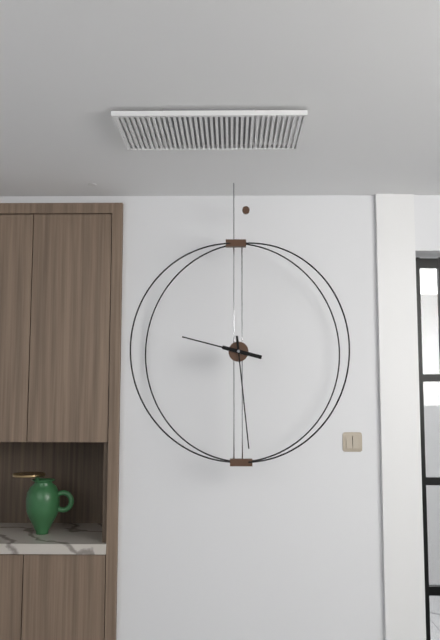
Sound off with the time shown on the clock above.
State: 9:29
